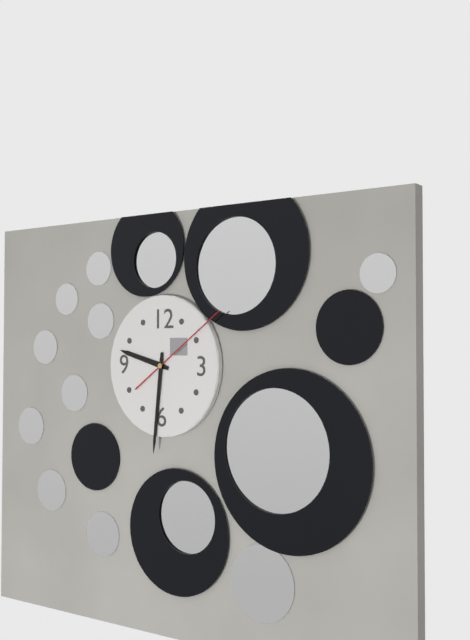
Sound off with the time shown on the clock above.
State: 9:31:09
